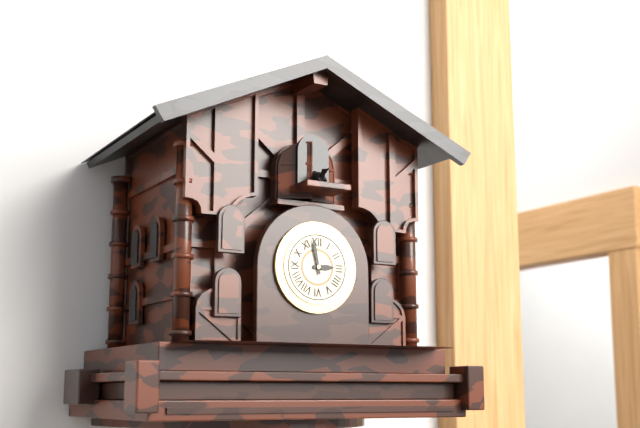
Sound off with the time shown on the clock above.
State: 2:58
